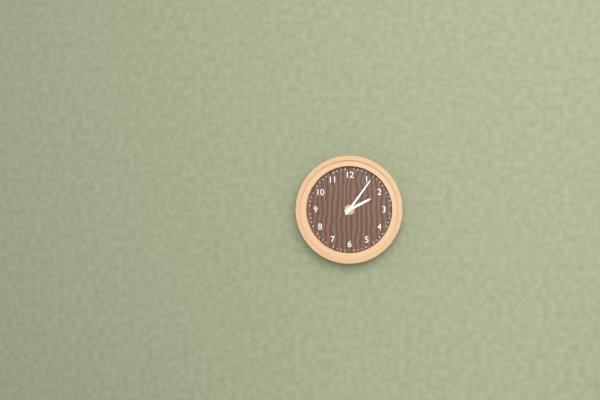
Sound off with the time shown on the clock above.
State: 2:06
